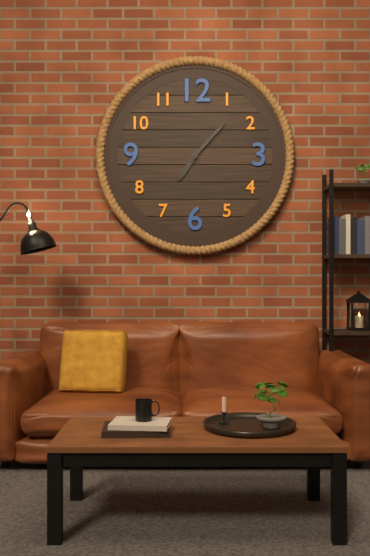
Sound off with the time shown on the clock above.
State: 7:07
